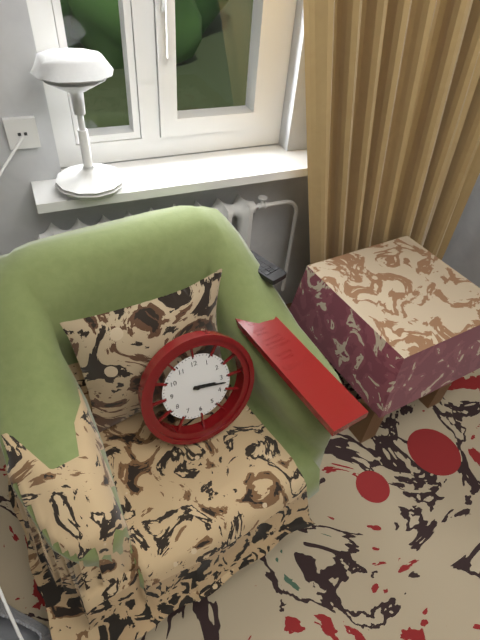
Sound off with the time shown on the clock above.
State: 3:17
